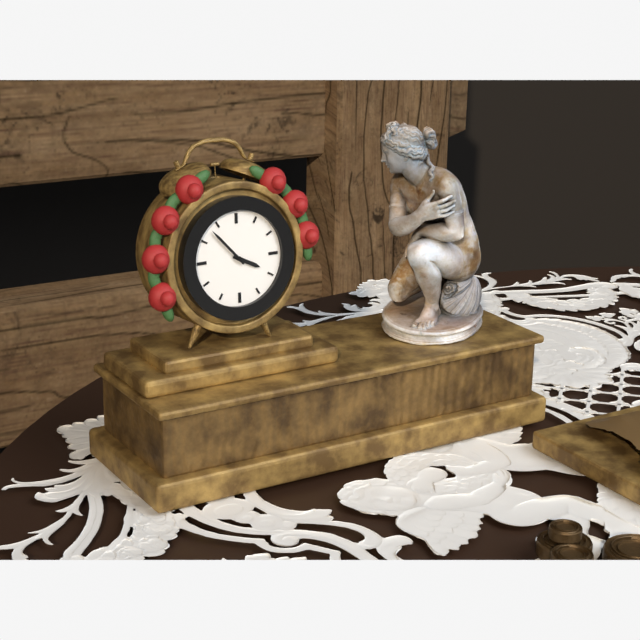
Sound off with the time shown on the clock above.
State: 3:53
